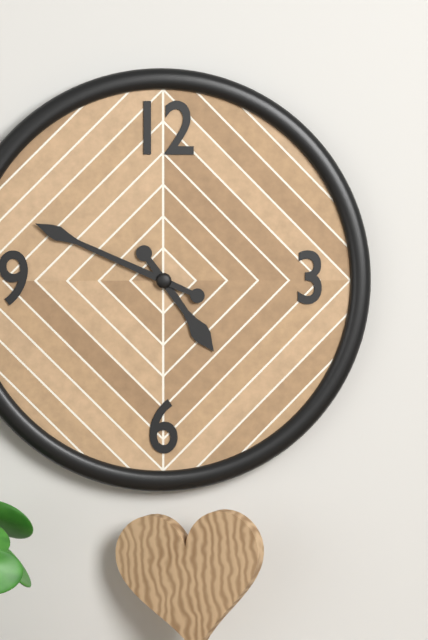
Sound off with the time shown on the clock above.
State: 4:49
